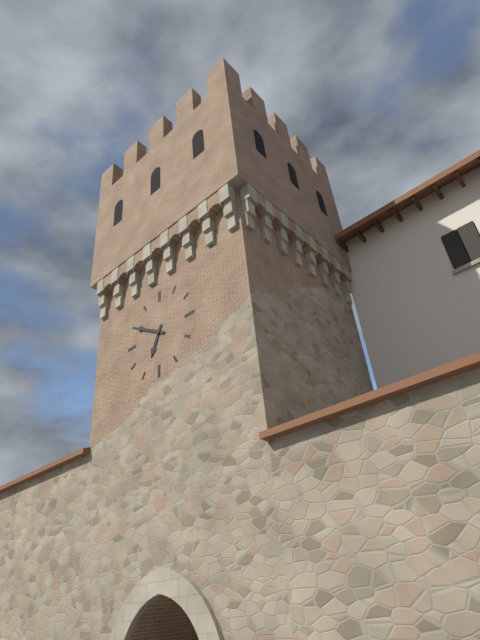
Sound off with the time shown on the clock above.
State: 6:50
